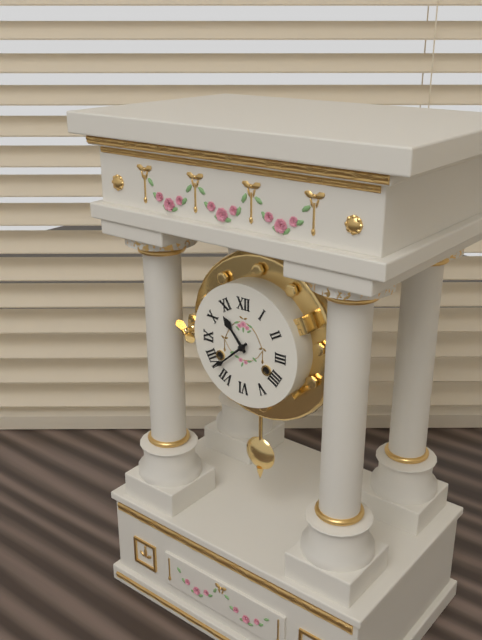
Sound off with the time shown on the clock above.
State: 10:38
